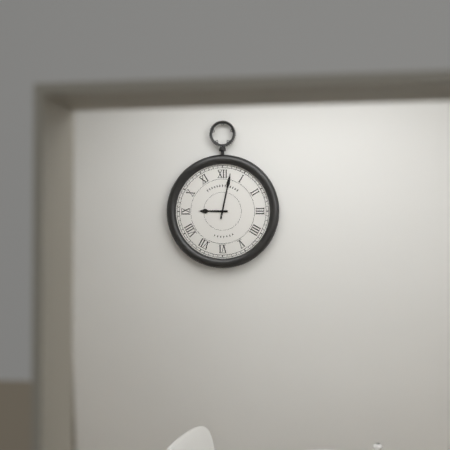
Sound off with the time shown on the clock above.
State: 9:02
